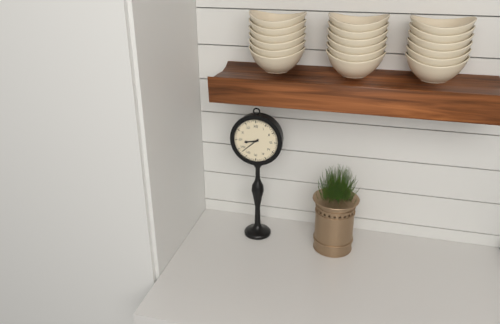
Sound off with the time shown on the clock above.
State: 8:38
